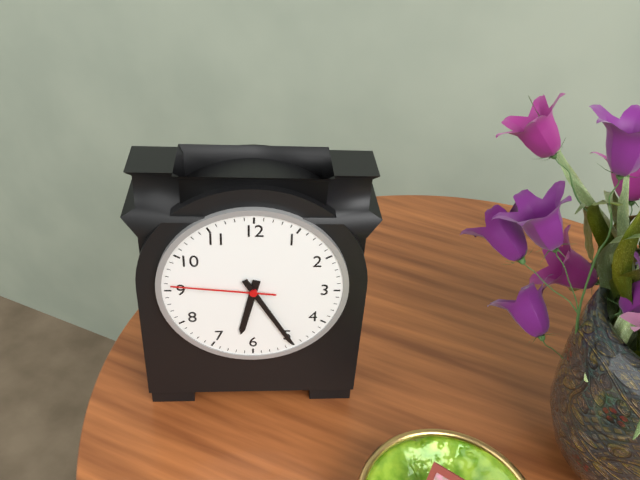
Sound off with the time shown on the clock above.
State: 6:25:46
